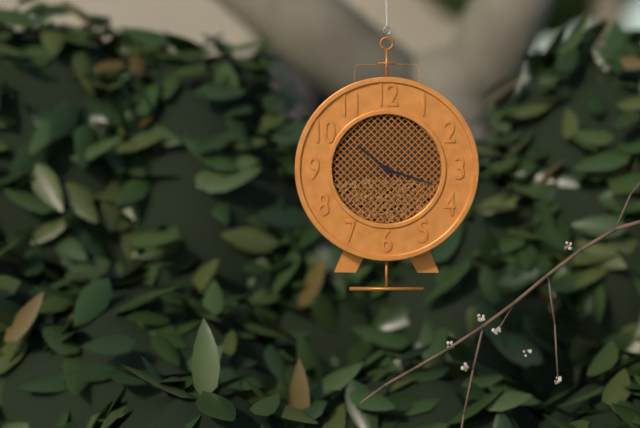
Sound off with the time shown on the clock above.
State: 10:18
